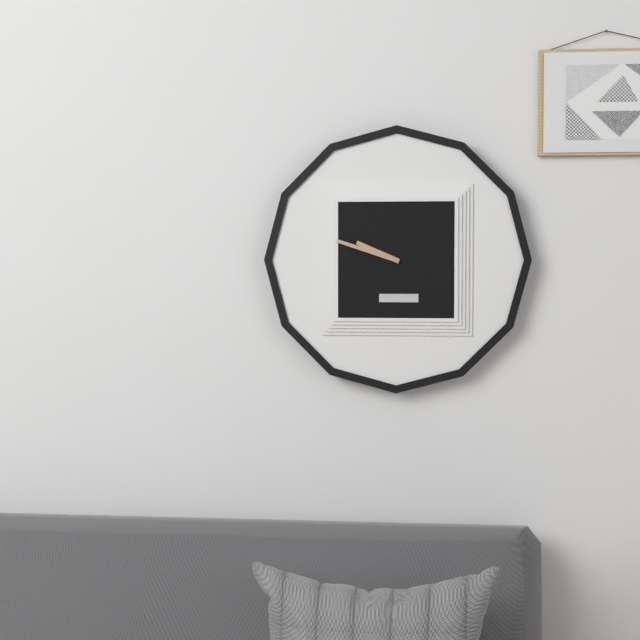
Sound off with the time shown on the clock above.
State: 9:48
